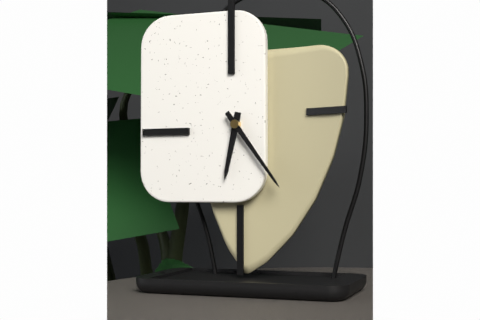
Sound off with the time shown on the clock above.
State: 6:24
